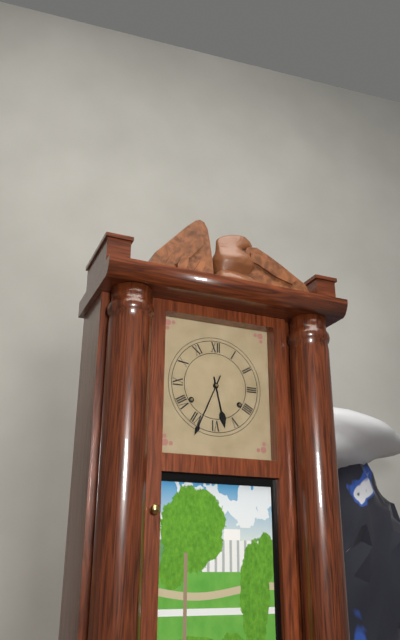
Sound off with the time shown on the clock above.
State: 5:34
